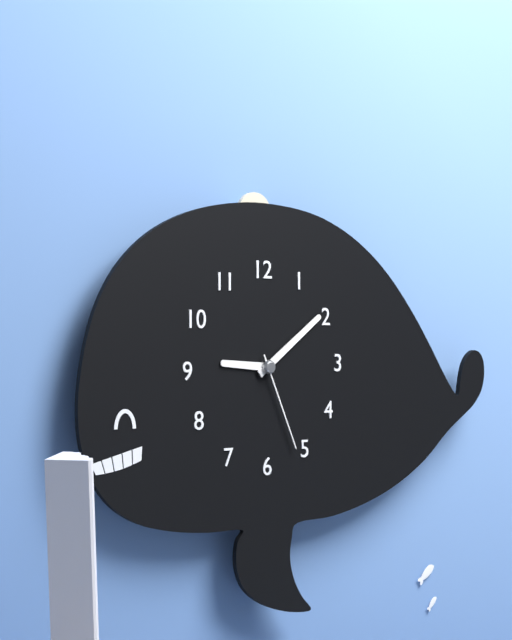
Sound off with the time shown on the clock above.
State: 9:09:26
